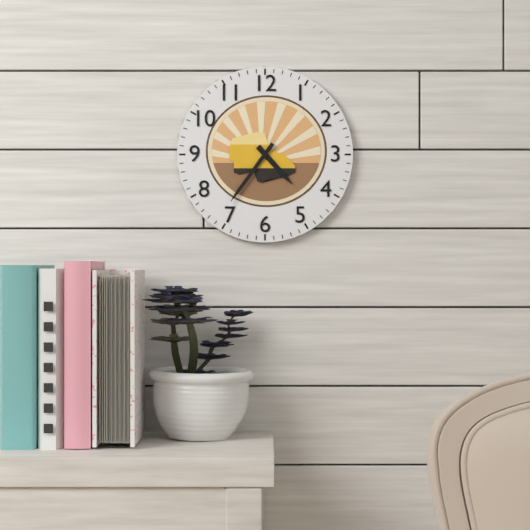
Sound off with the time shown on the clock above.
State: 4:36
